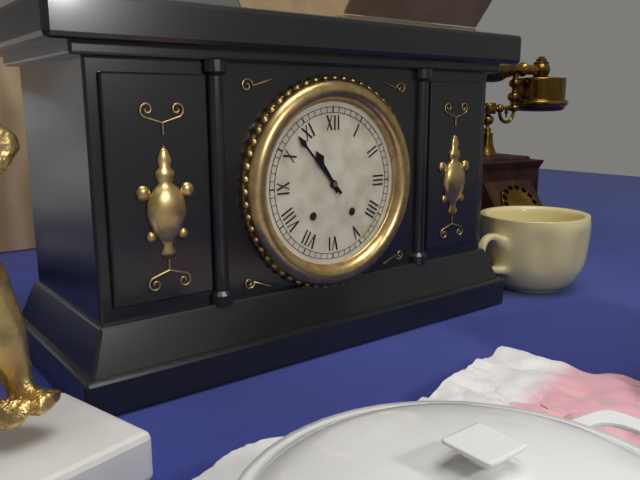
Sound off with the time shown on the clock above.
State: 10:53
